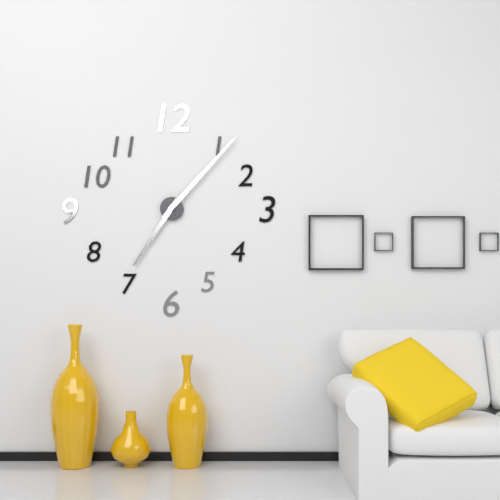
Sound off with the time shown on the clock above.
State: 7:07
